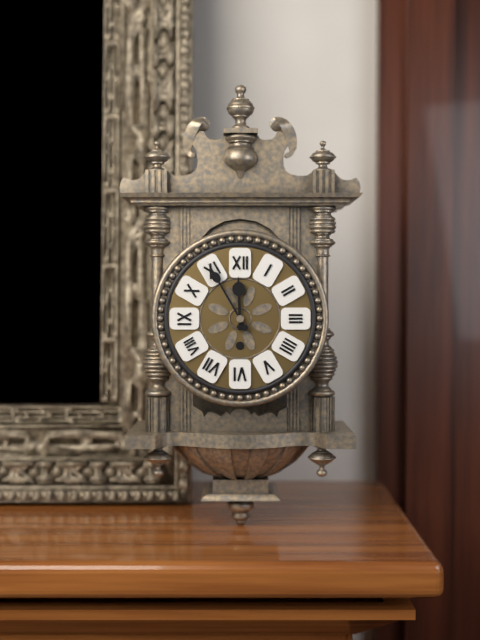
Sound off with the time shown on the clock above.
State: 11:55
